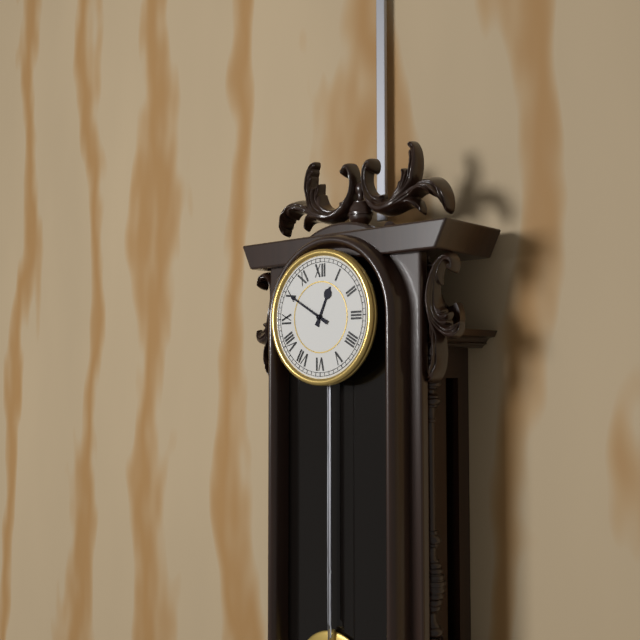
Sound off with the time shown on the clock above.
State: 12:50
